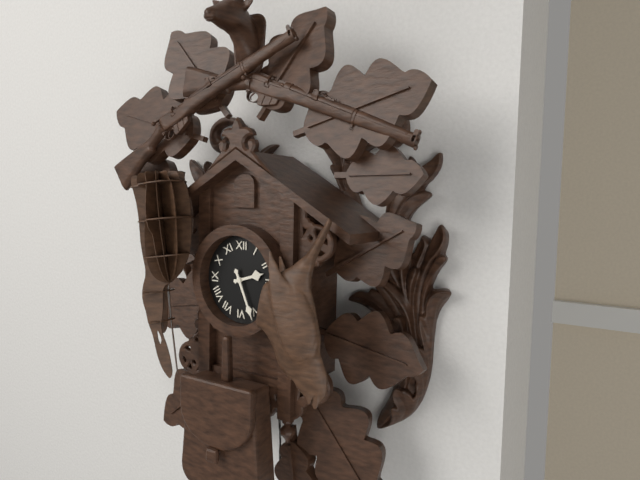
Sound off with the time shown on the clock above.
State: 2:26
